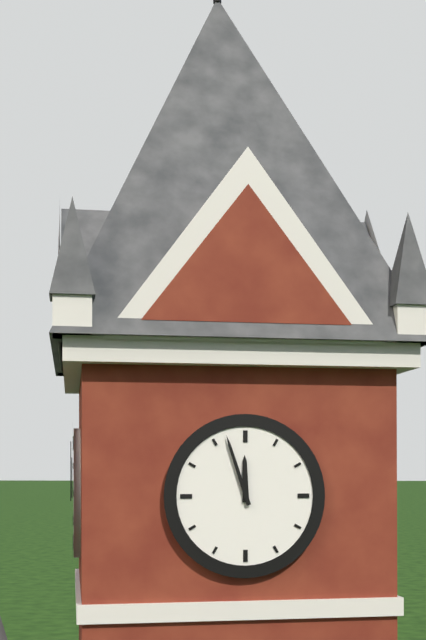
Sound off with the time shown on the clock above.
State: 11:57
